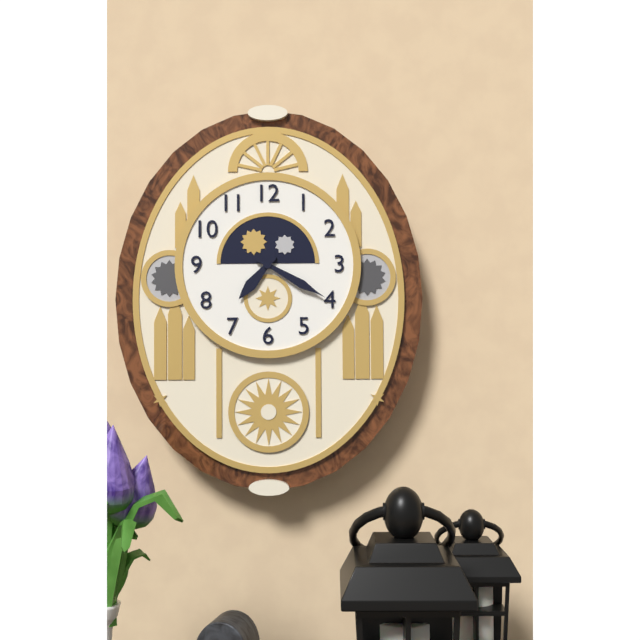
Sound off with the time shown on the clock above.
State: 7:20
